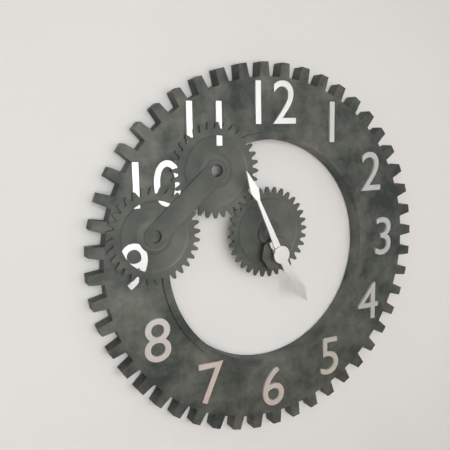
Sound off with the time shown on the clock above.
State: 4:56
